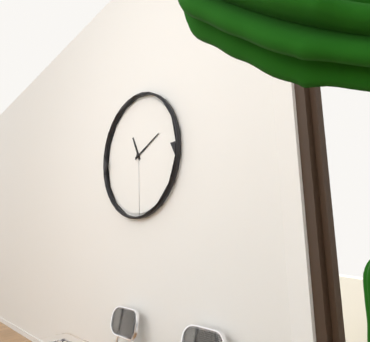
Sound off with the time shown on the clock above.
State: 11:11
